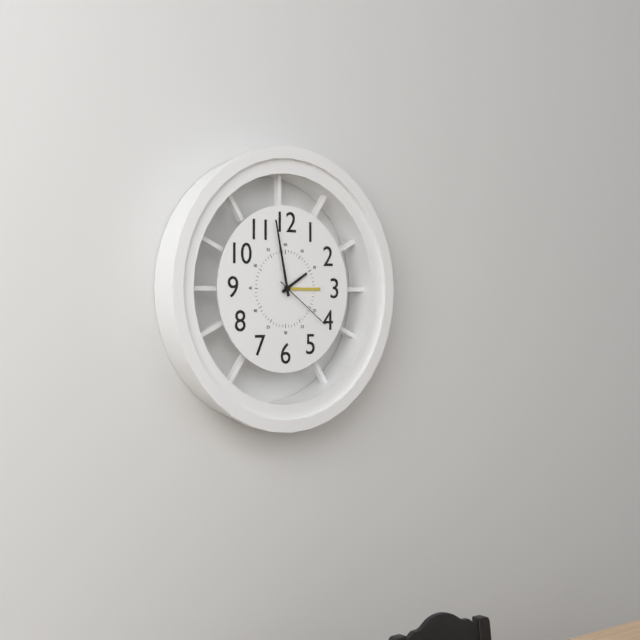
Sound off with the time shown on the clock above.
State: 1:58:21
